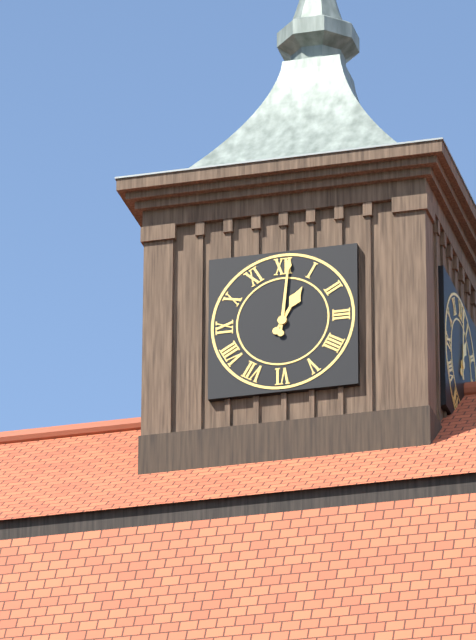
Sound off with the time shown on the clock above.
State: 1:01
